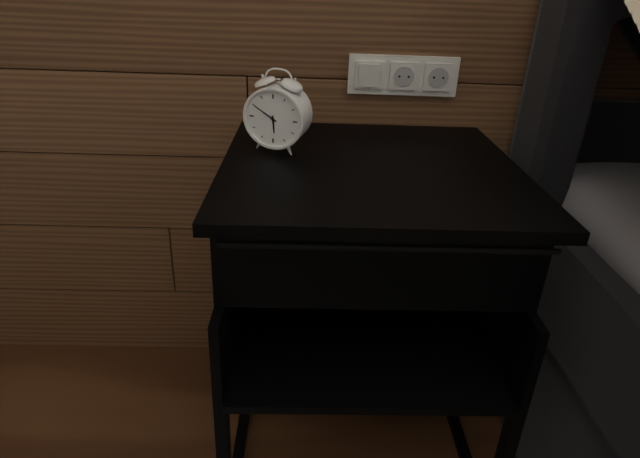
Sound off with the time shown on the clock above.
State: 5:50
